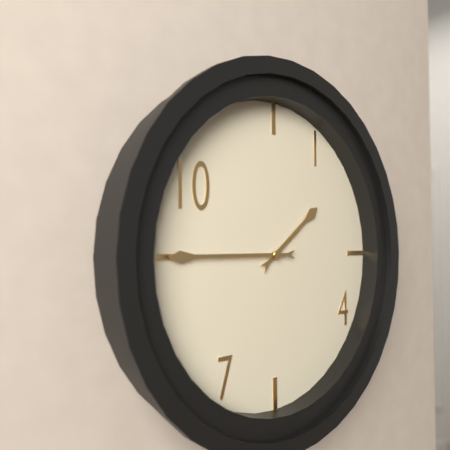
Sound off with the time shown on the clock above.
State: 1:45
